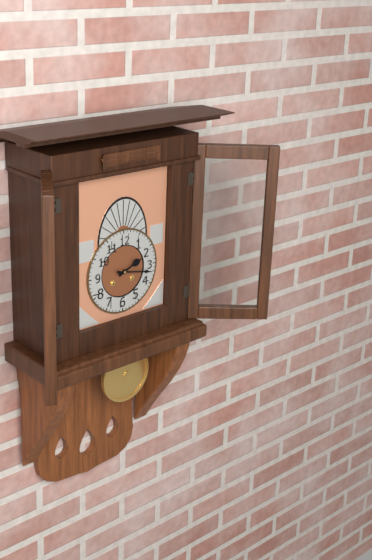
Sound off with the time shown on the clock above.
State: 2:17
